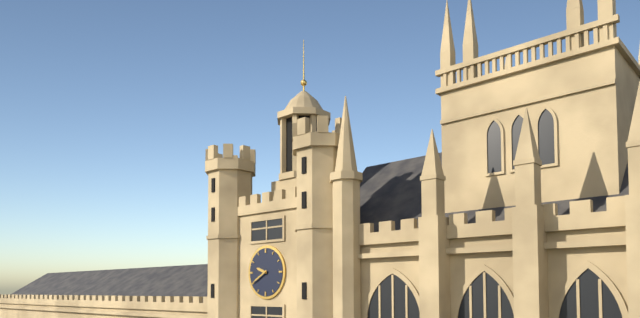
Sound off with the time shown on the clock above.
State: 9:40
